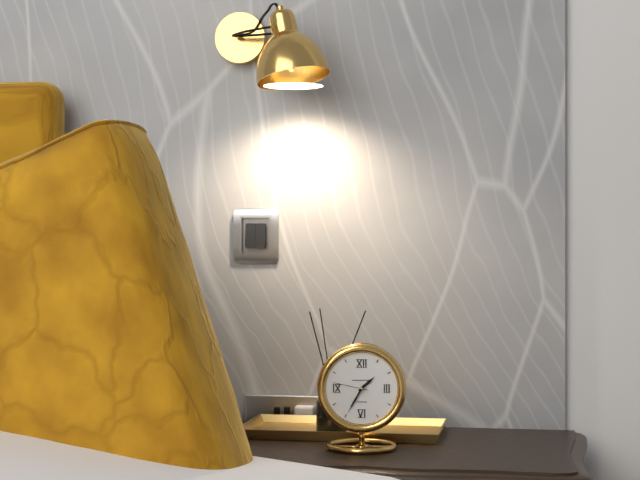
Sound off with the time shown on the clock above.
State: 1:35
